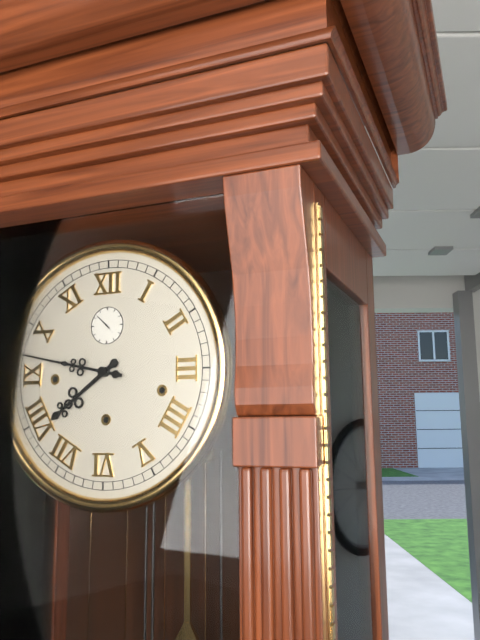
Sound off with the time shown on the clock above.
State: 7:47
